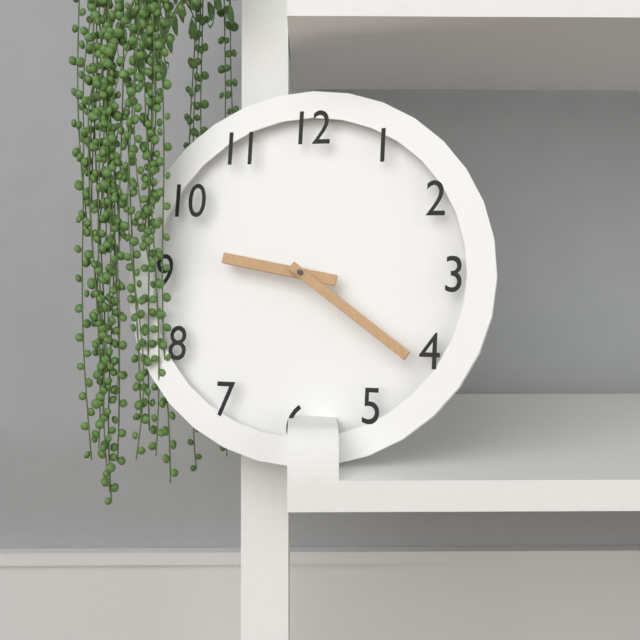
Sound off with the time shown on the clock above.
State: 9:21
